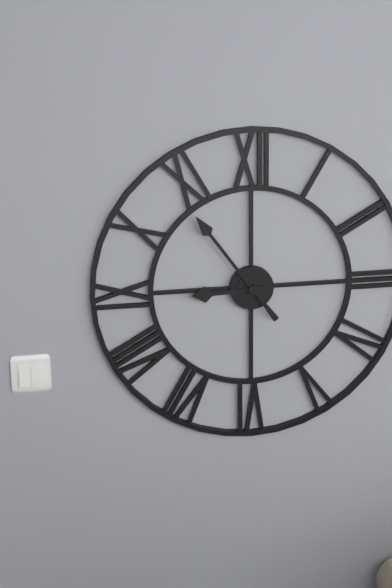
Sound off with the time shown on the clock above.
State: 8:54
